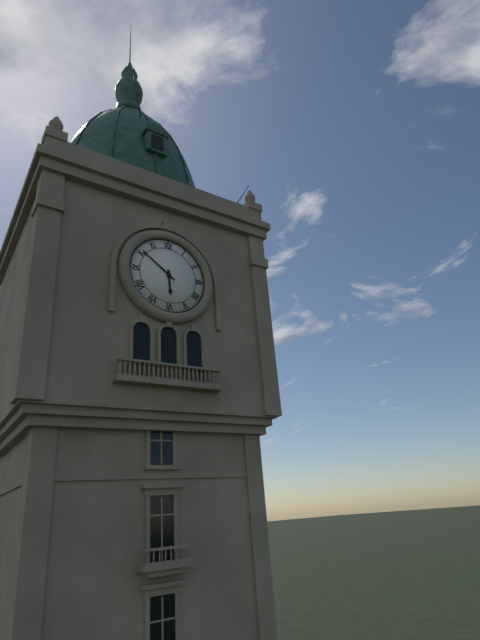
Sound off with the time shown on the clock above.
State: 5:51
